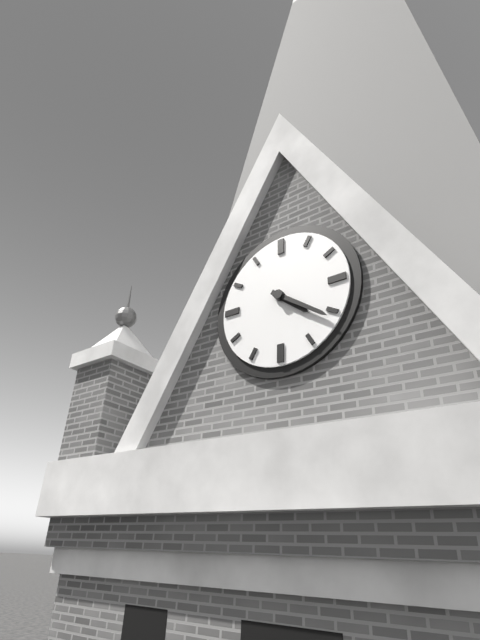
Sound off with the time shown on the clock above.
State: 4:21
